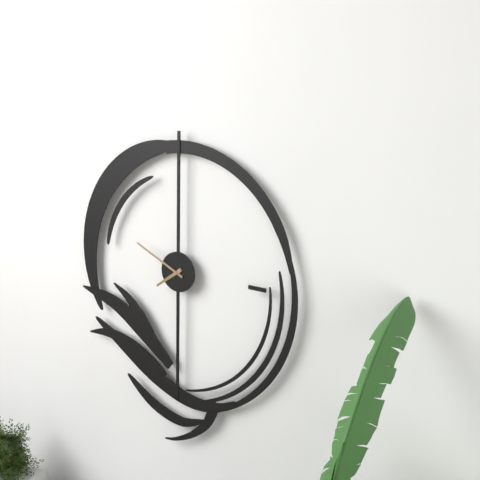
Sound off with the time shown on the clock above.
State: 7:49
